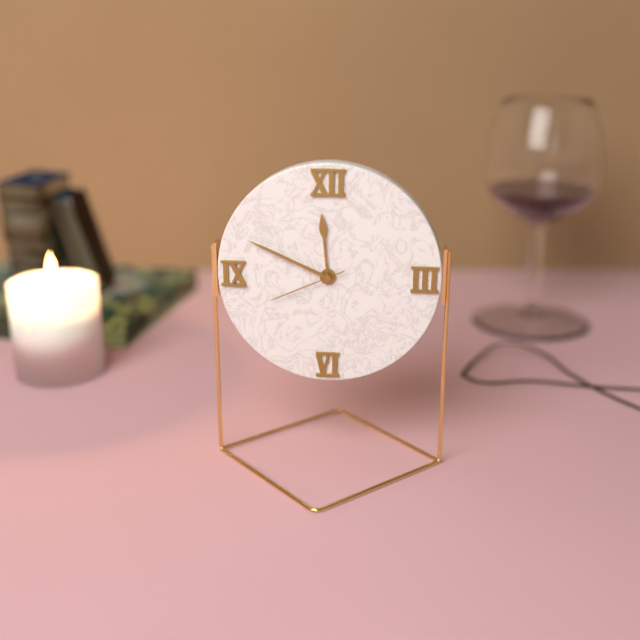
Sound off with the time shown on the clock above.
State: 11:49:41
